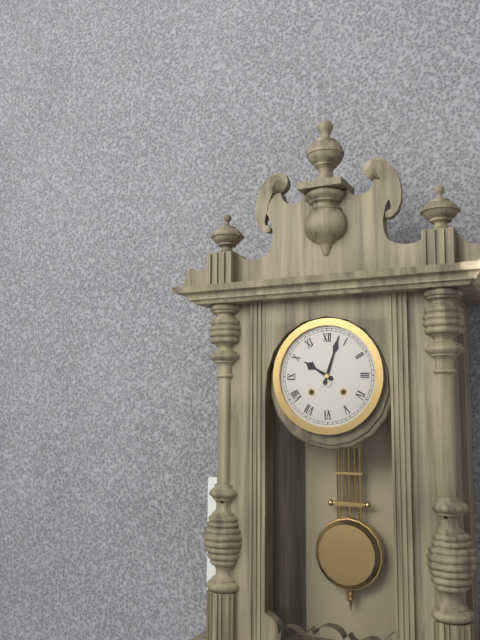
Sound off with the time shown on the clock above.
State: 10:03
